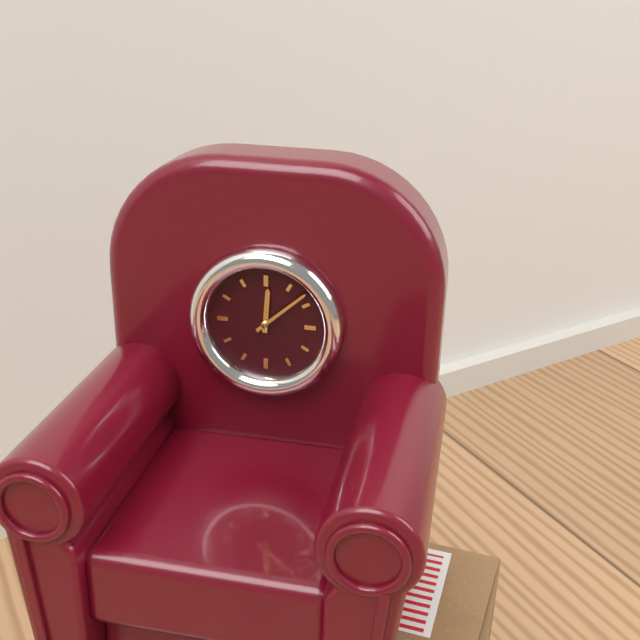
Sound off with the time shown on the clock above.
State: 12:08
